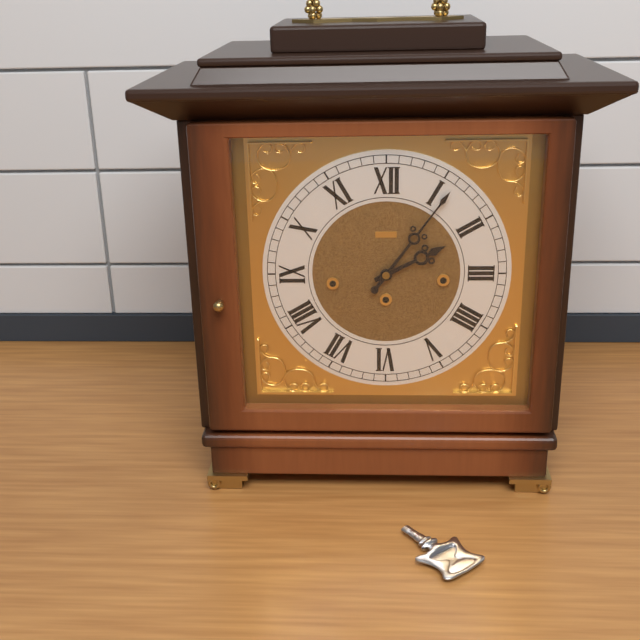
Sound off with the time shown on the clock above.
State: 2:06
